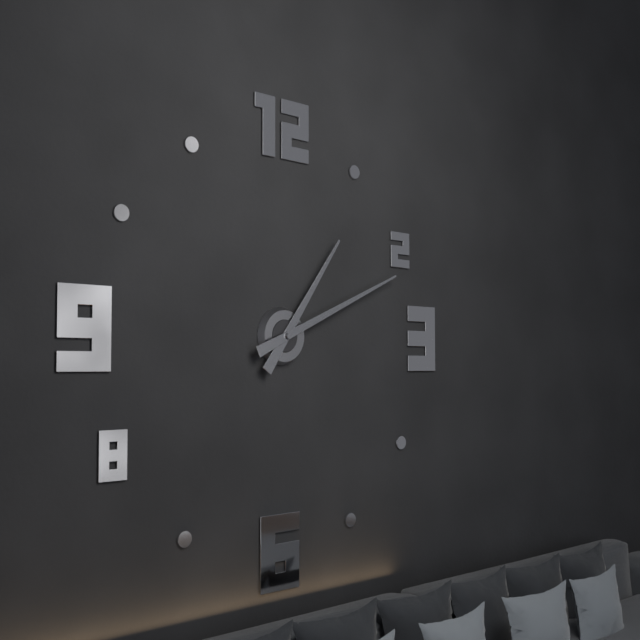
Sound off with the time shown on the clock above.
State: 1:11
